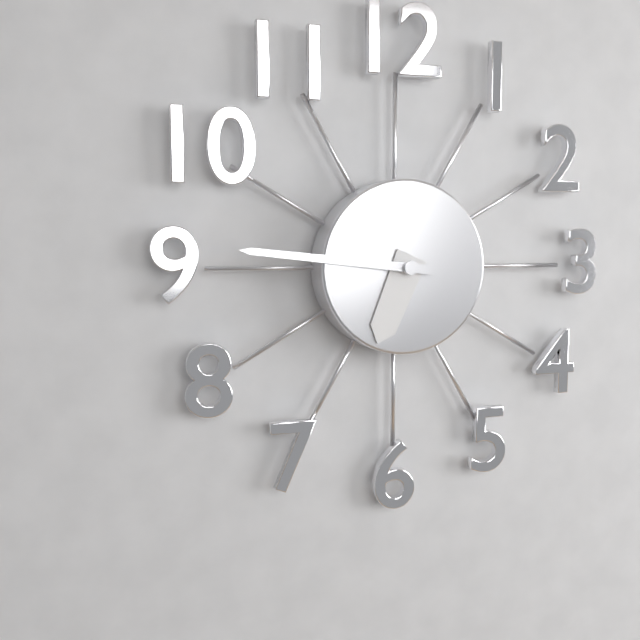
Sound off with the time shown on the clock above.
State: 6:46
